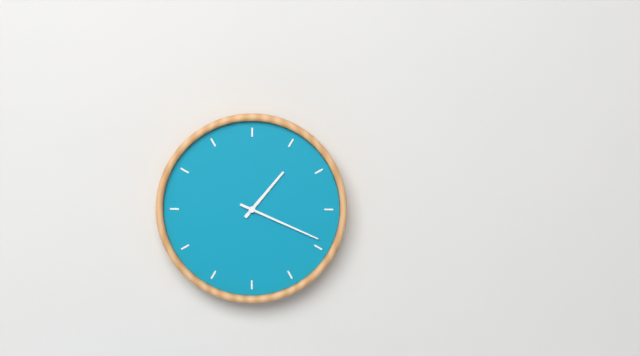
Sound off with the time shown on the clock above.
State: 1:19
